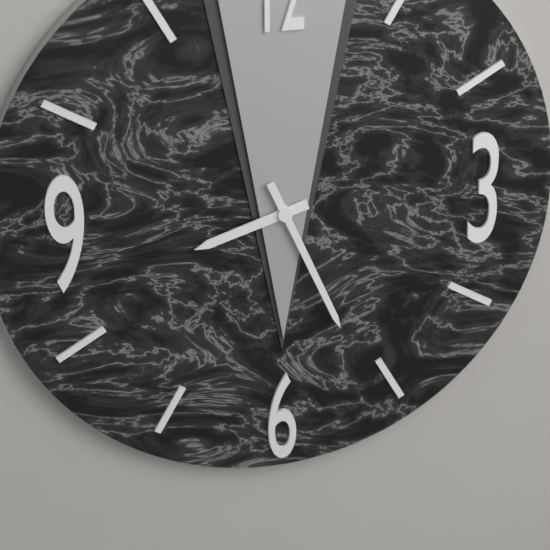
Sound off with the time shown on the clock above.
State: 8:26
